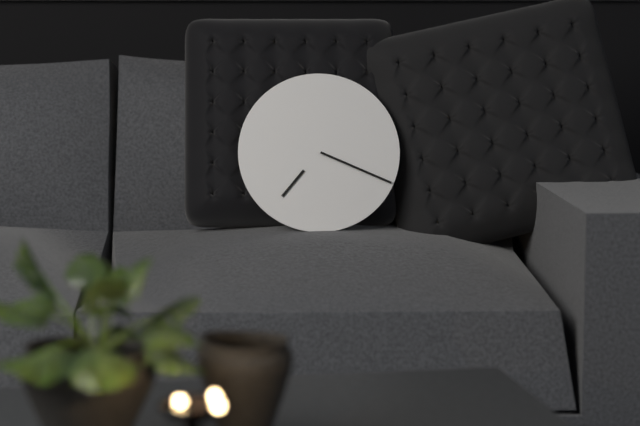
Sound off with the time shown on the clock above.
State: 7:19
